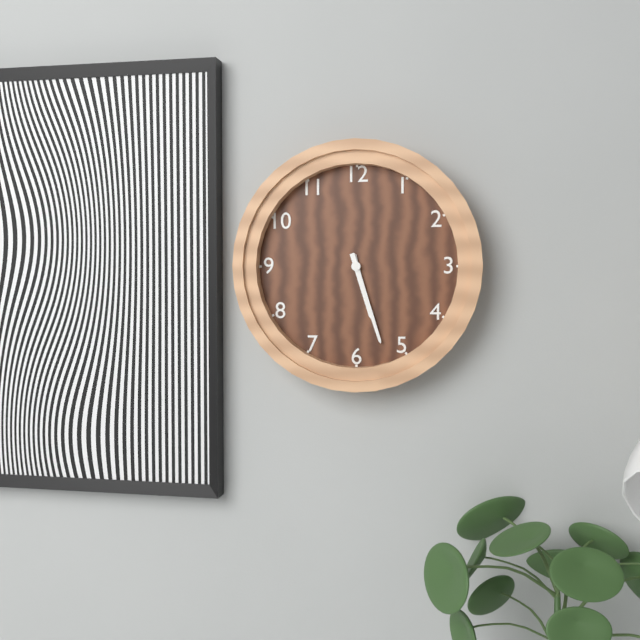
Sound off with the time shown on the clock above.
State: 5:27
